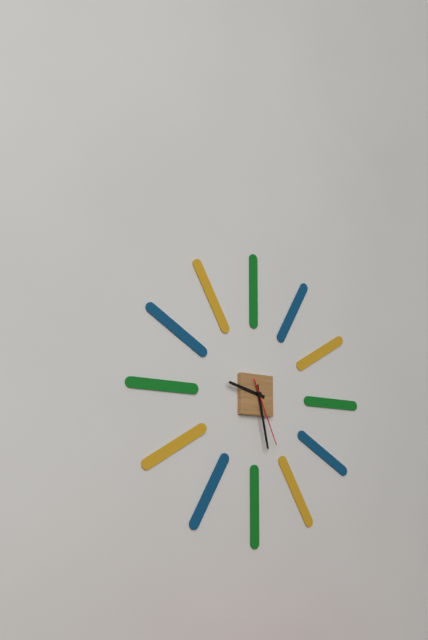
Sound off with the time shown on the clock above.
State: 9:28:26
